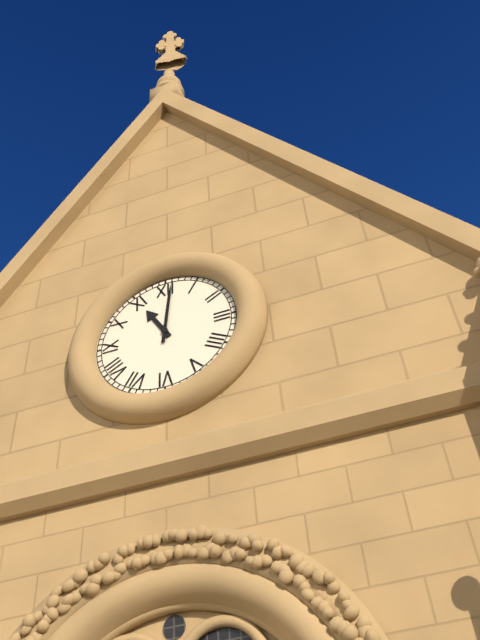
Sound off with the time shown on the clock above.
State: 11:01
